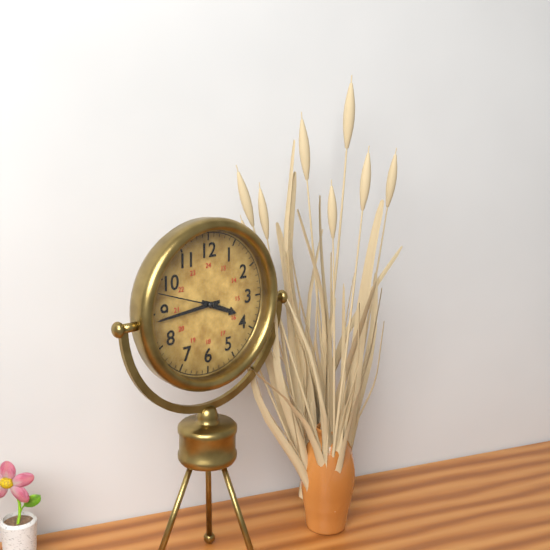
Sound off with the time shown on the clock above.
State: 3:44:48
